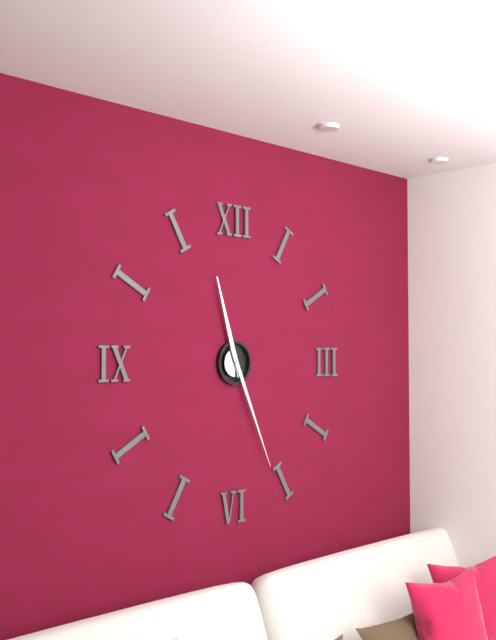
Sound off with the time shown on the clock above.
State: 11:26
